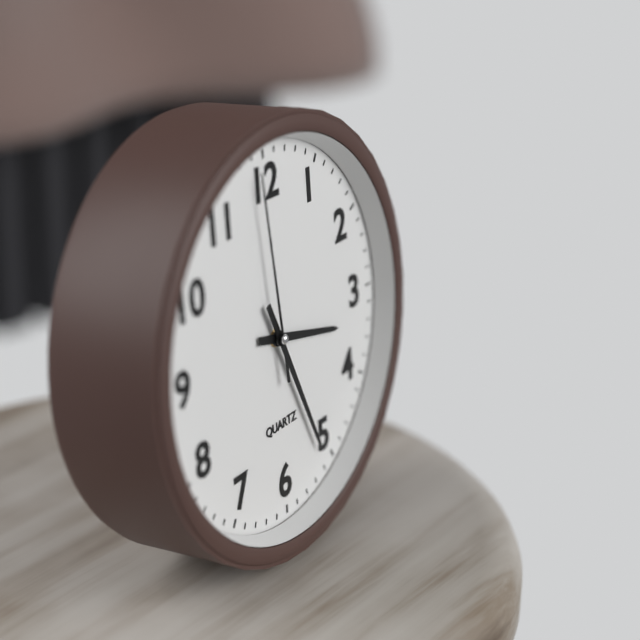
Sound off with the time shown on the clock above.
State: 3:26:59
